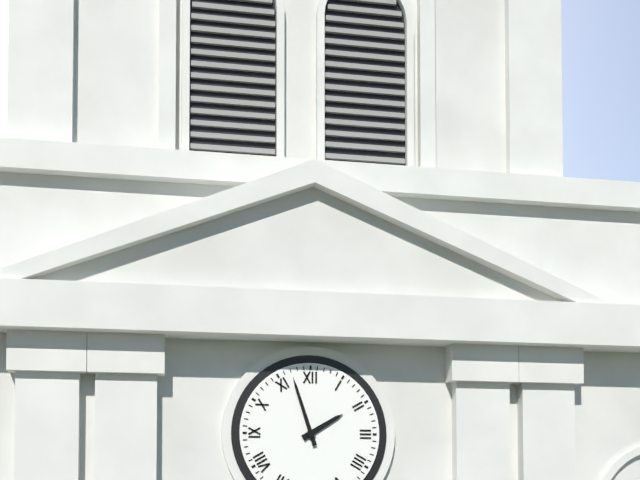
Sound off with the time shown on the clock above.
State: 1:57
